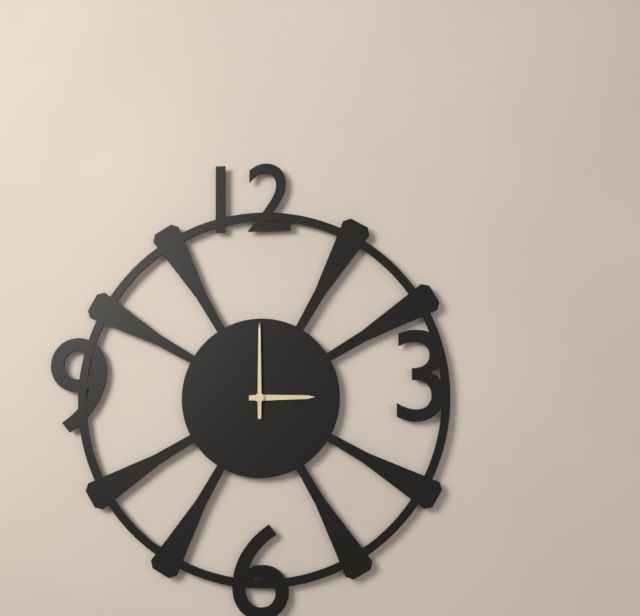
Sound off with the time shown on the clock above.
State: 3:00
